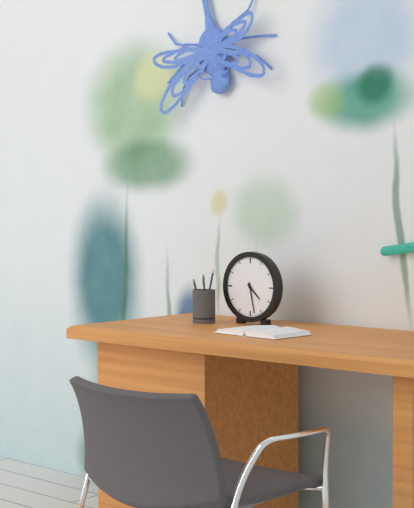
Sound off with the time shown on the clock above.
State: 4:28
